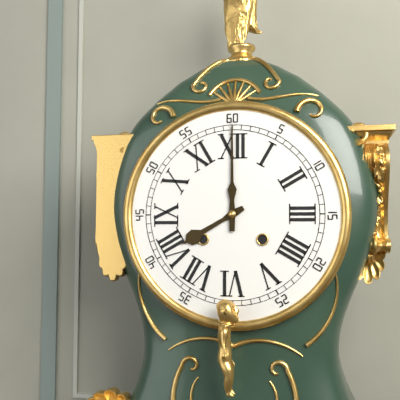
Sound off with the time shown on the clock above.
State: 8:00
